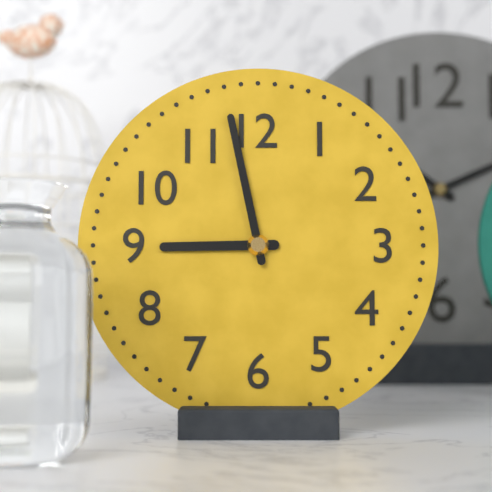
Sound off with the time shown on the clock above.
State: 8:58
